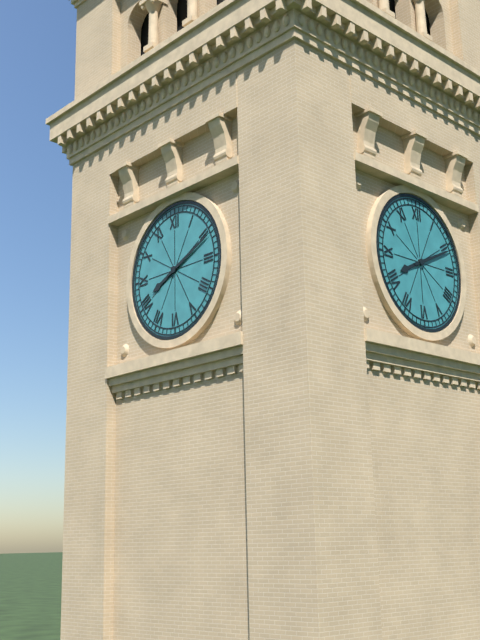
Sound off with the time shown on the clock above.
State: 8:11
